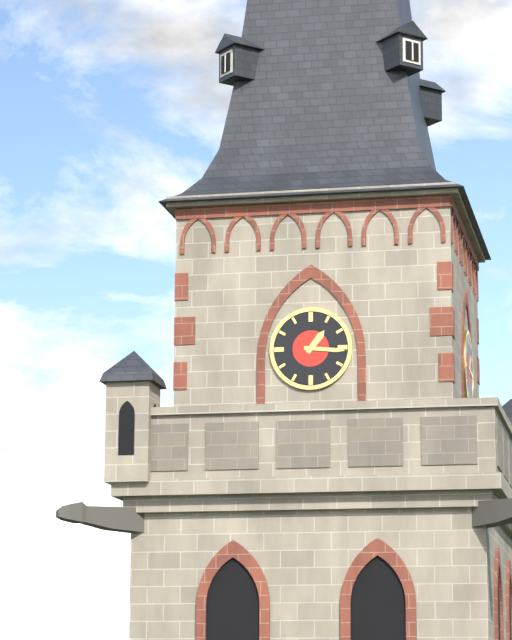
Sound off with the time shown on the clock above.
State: 1:16
